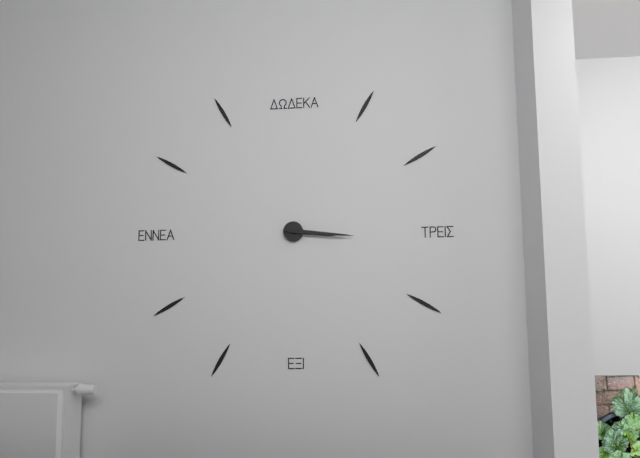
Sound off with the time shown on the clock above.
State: 3:16
